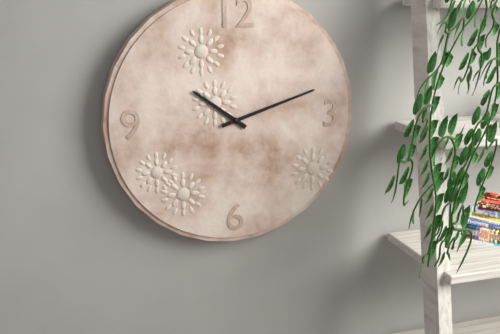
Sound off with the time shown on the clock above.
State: 10:12
